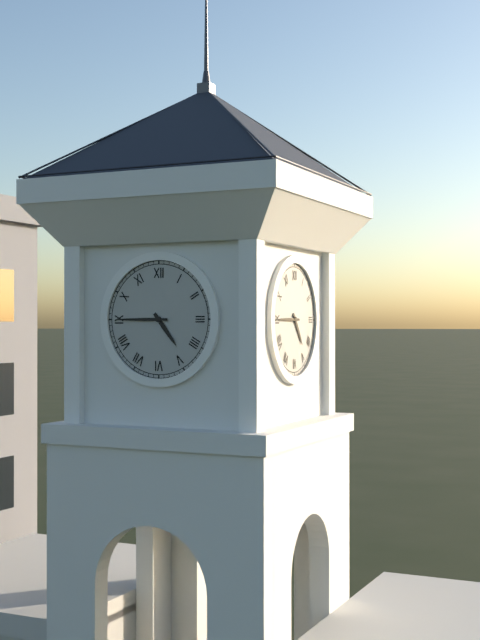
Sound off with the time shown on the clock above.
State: 4:45
